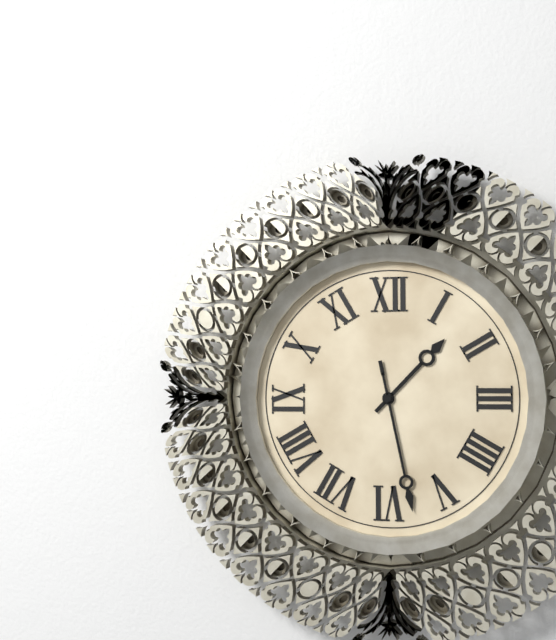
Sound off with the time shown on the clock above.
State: 1:28
